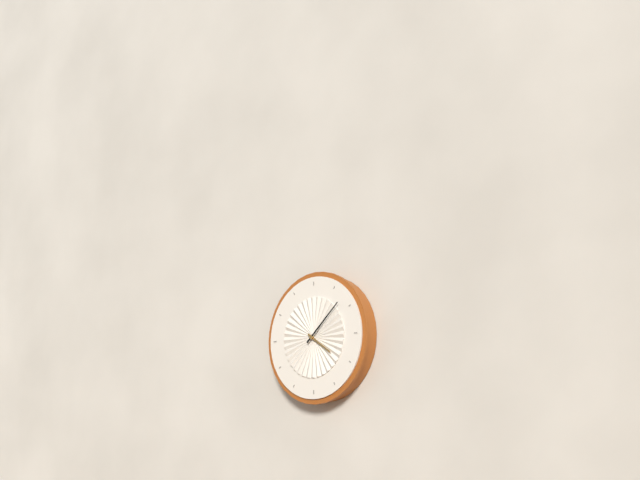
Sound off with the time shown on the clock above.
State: 4:08
